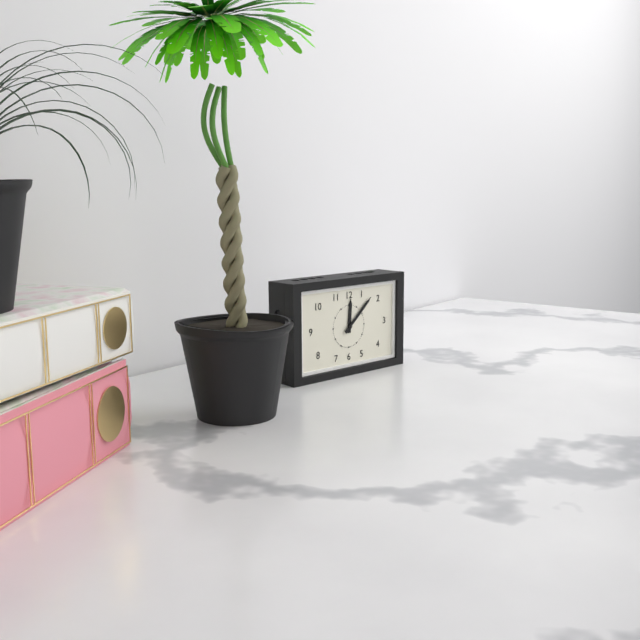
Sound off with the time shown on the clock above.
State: 12:08
